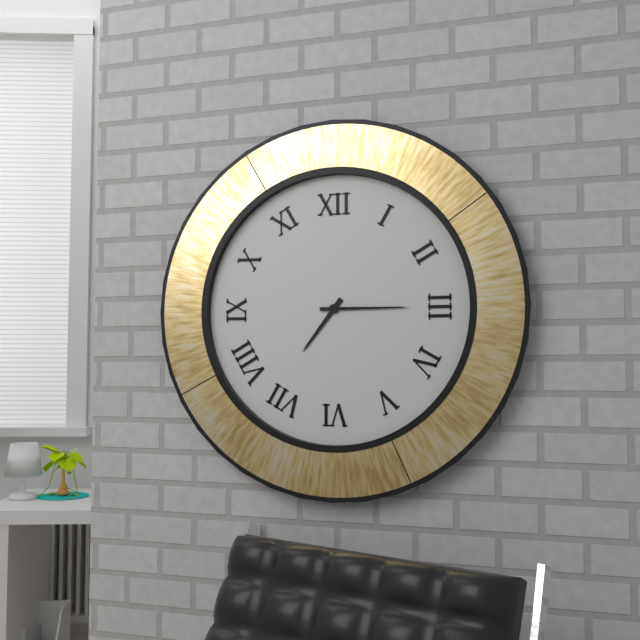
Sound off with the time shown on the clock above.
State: 7:15
